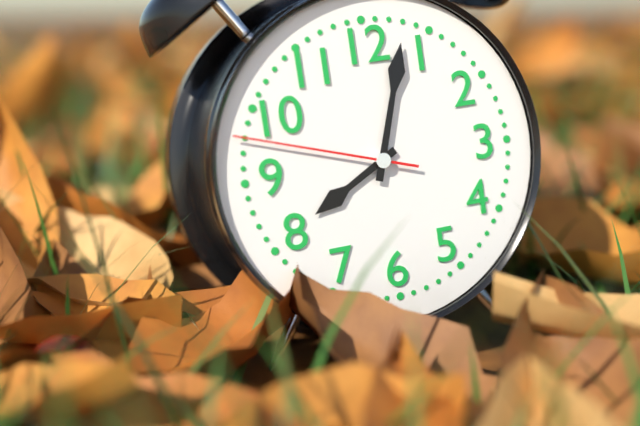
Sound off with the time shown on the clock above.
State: 8:03:48
